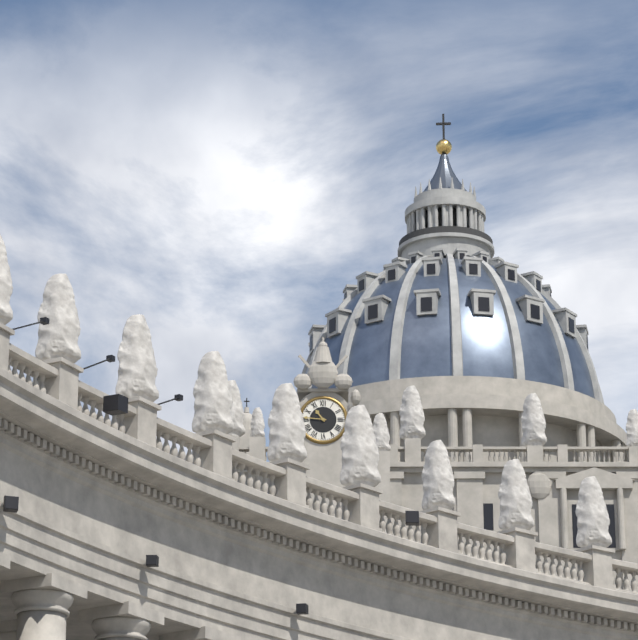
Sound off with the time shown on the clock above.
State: 10:46
